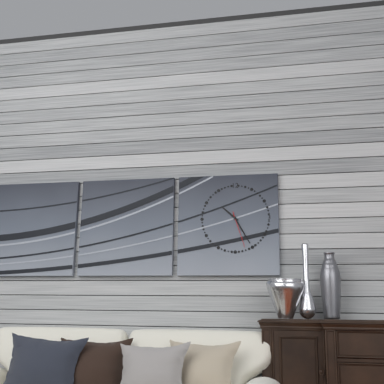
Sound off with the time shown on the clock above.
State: 10:25
